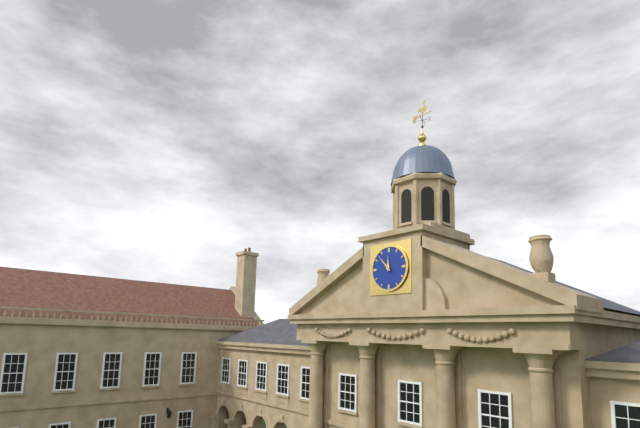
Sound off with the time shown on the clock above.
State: 11:53
